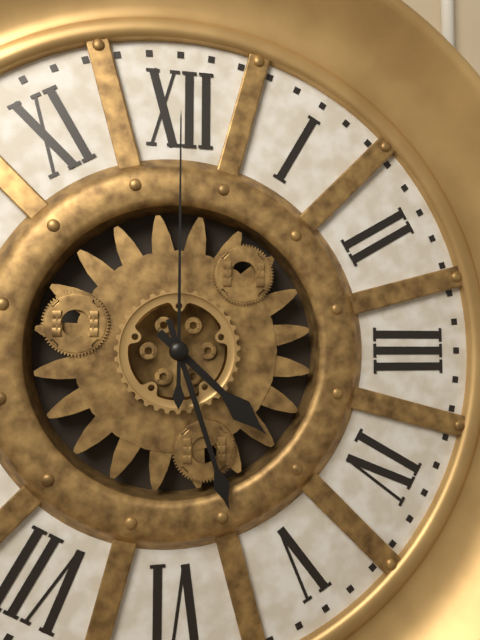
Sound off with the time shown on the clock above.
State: 4:27:00
